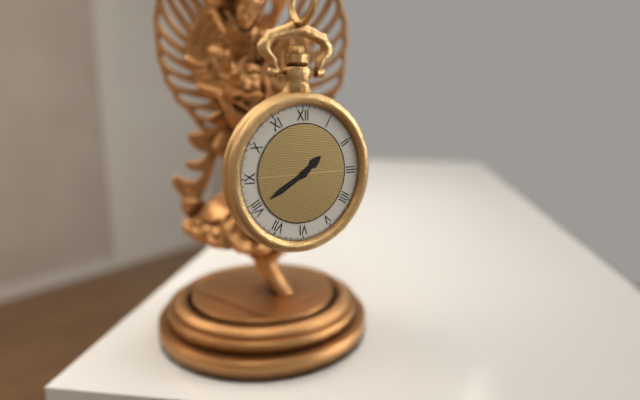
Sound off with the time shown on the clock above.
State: 1:40
